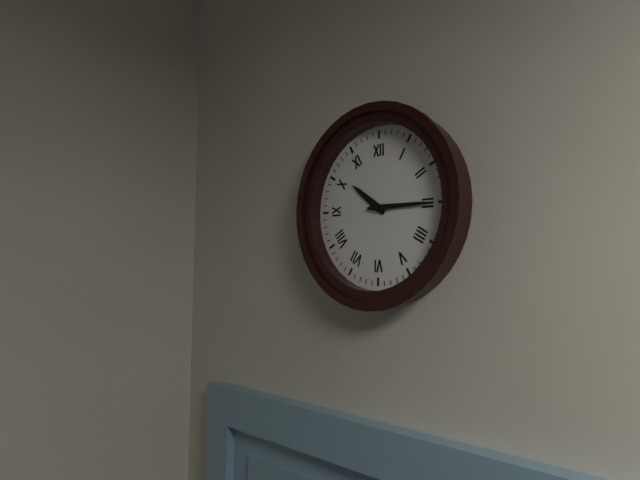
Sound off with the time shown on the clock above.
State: 10:15
